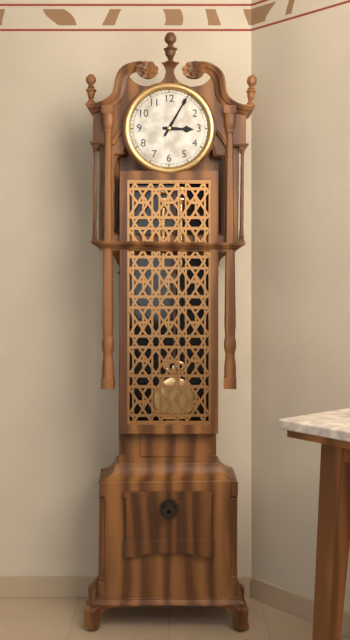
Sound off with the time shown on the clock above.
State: 3:05
